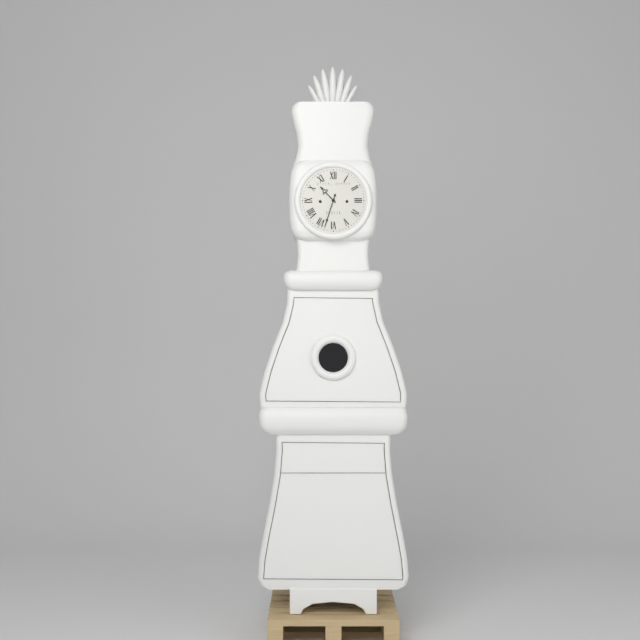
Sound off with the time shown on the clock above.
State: 10:33
